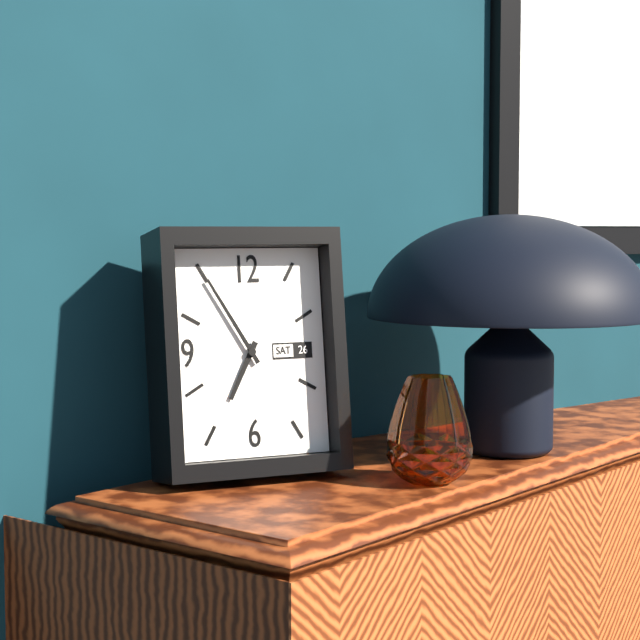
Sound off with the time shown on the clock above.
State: 6:55
